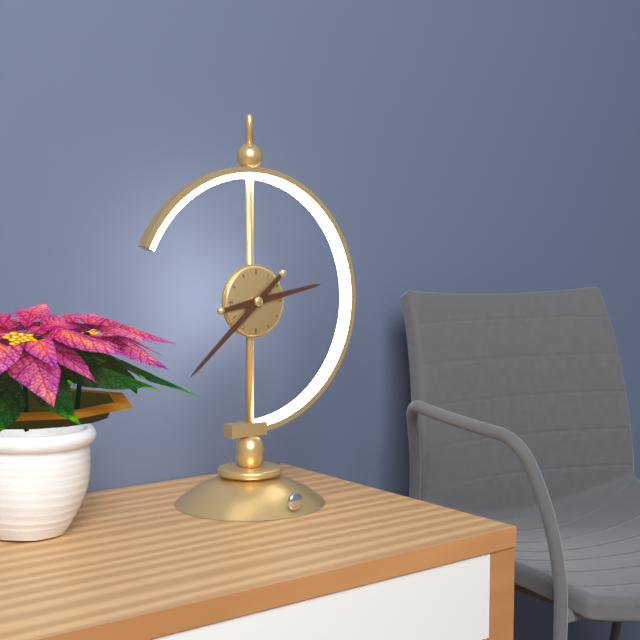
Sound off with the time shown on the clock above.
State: 2:38
